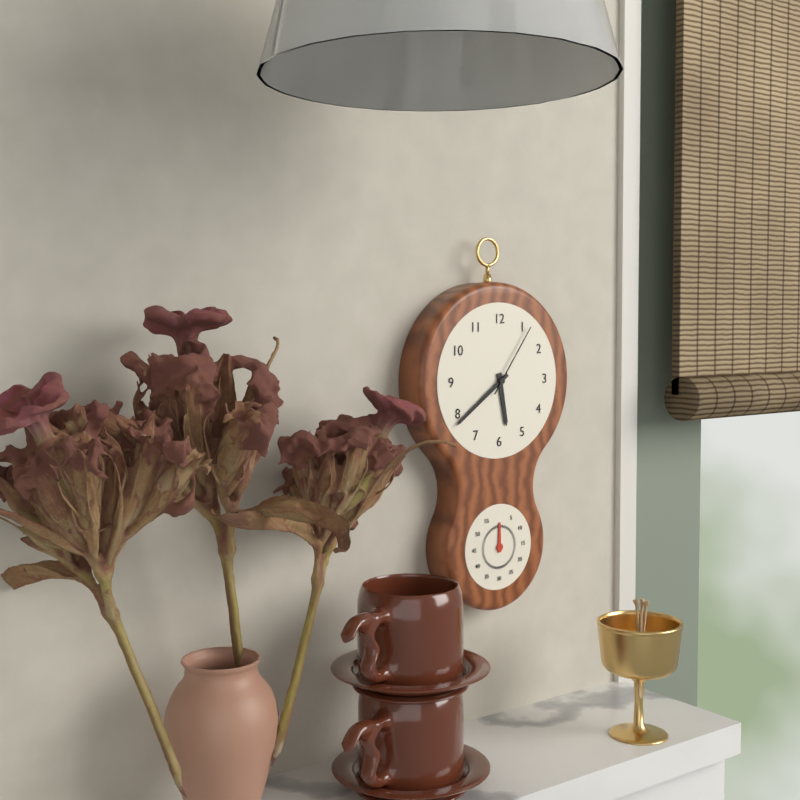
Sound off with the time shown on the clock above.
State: 5:39:06
